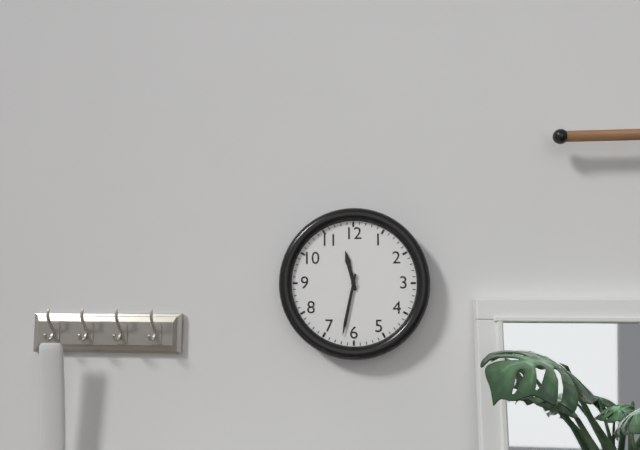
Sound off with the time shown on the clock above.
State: 11:32
